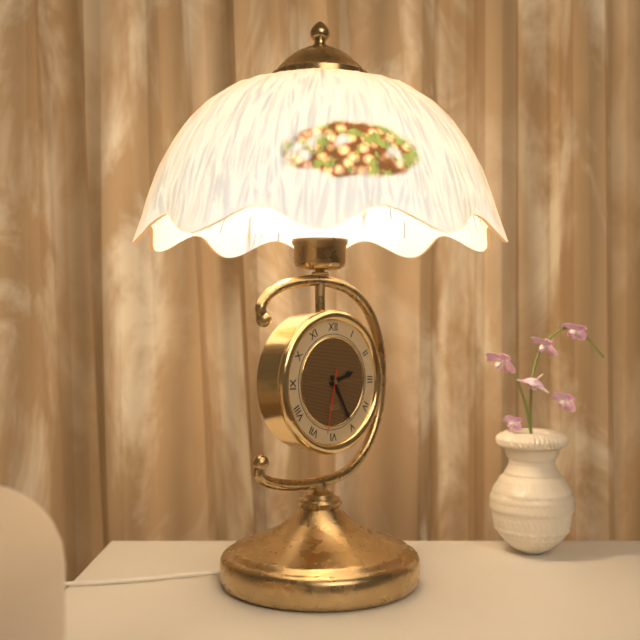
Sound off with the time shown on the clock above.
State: 2:25:32
